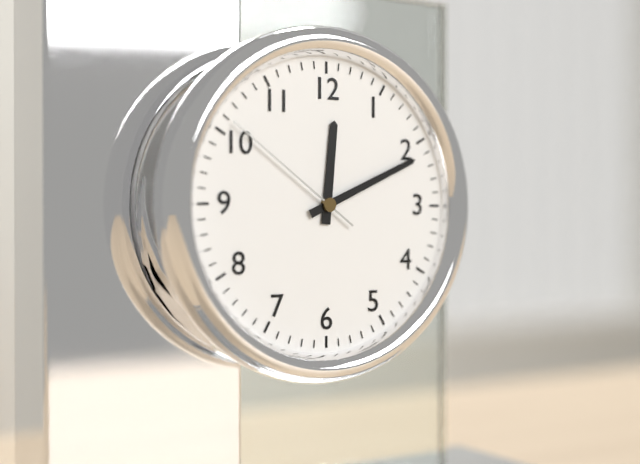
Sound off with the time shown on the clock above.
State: 12:11:51
